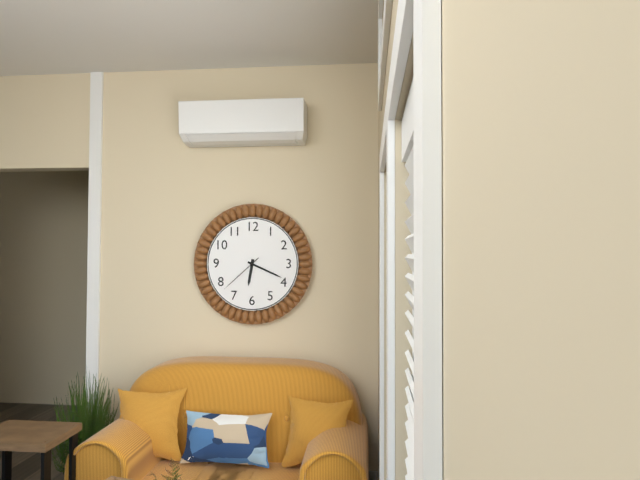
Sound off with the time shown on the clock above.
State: 6:19
